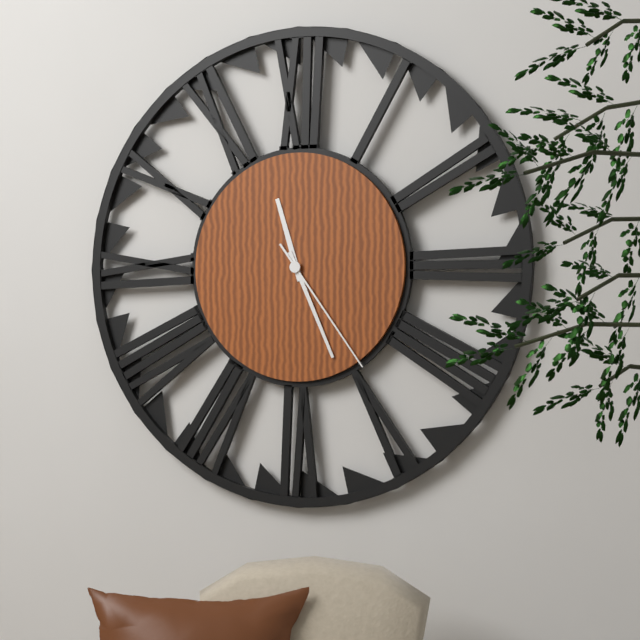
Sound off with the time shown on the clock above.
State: 11:26:24
